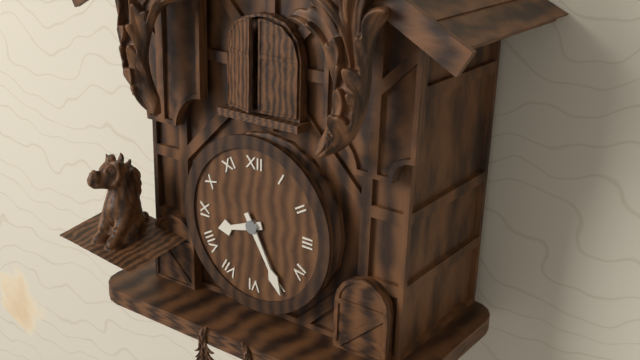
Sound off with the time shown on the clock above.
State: 8:25
